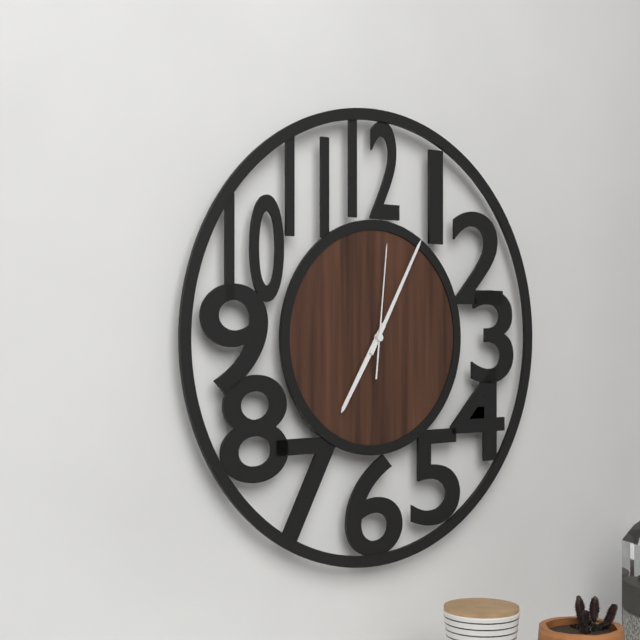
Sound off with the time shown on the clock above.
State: 7:05:01
